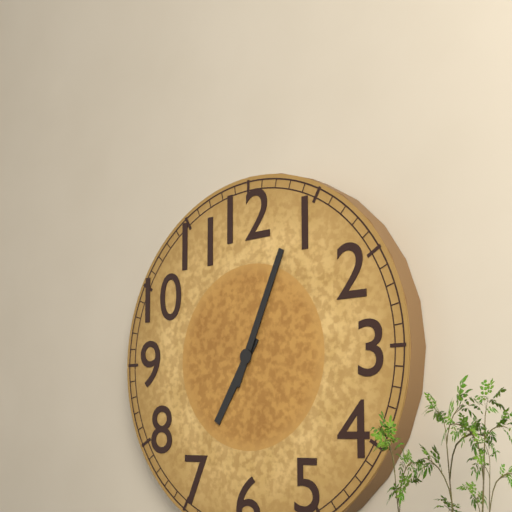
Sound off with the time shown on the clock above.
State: 7:04
